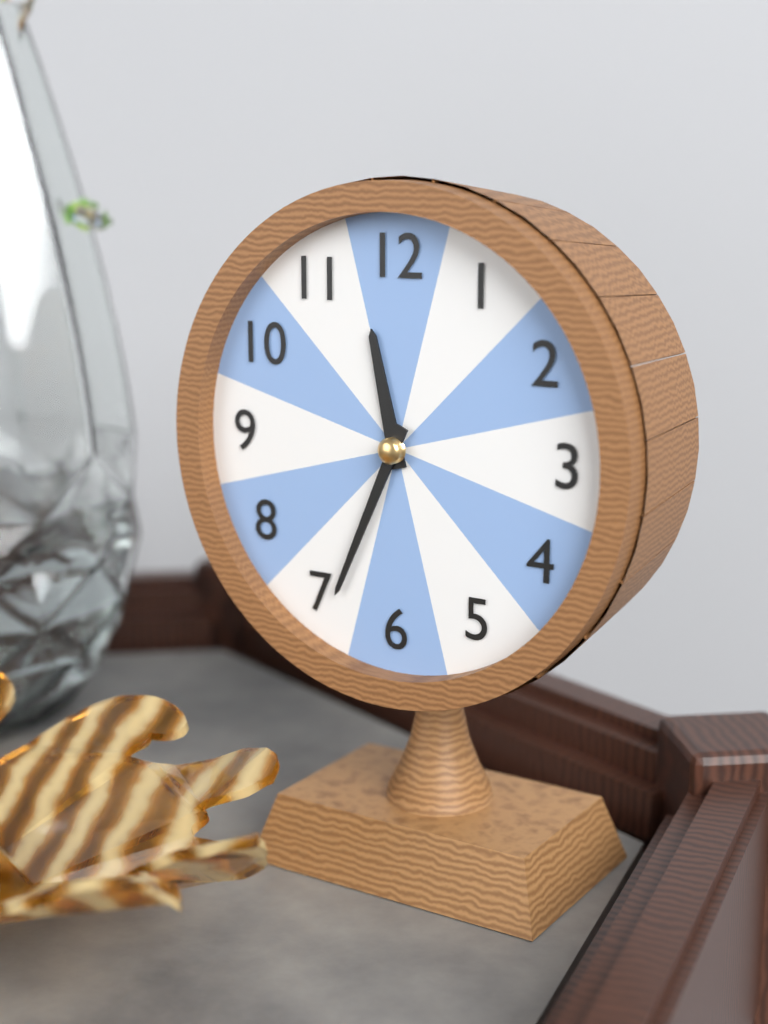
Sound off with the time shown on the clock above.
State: 11:34
